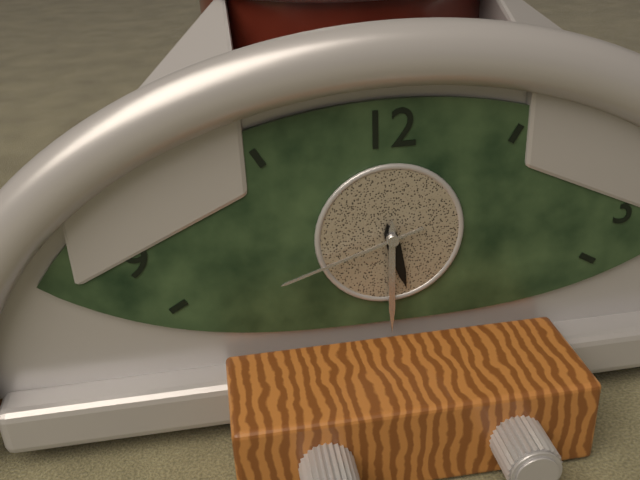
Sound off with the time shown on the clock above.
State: 5:30:42
